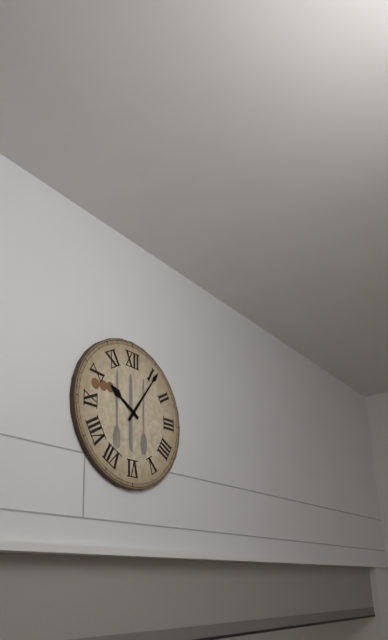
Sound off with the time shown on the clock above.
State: 10:06
